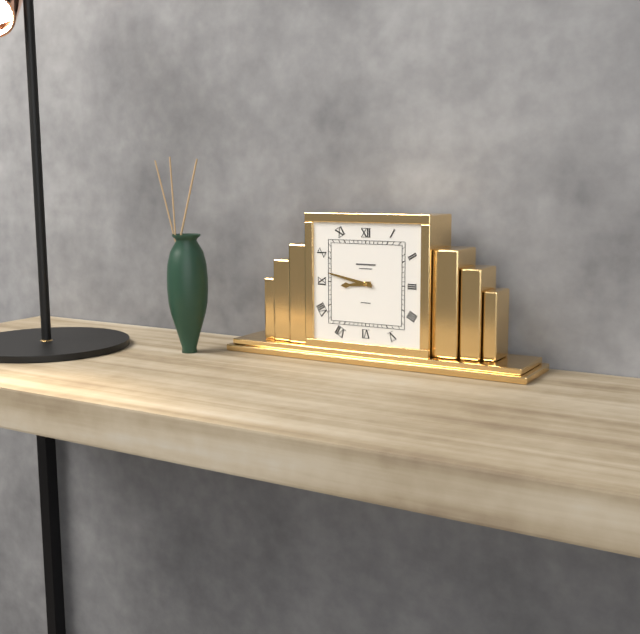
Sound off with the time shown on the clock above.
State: 8:47
